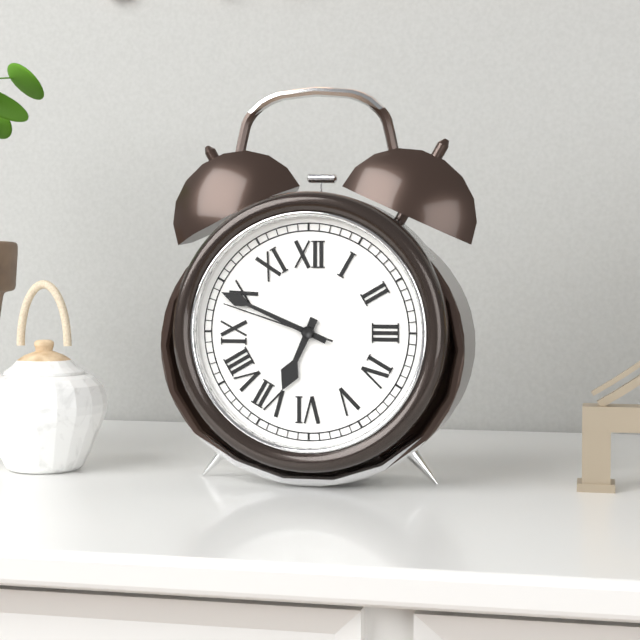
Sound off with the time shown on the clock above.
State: 6:49:48
